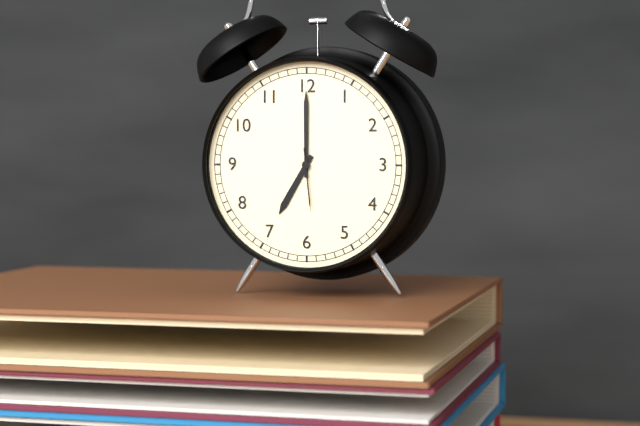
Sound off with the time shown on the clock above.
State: 7:00:29
